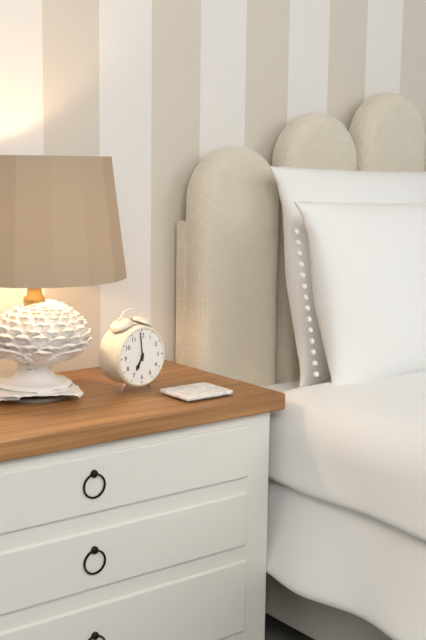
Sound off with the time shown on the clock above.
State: 6:59
